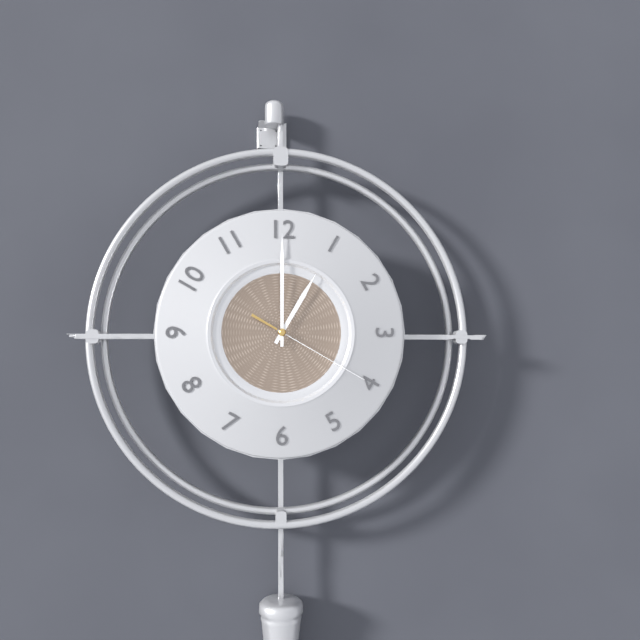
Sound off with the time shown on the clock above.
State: 1:00:20
